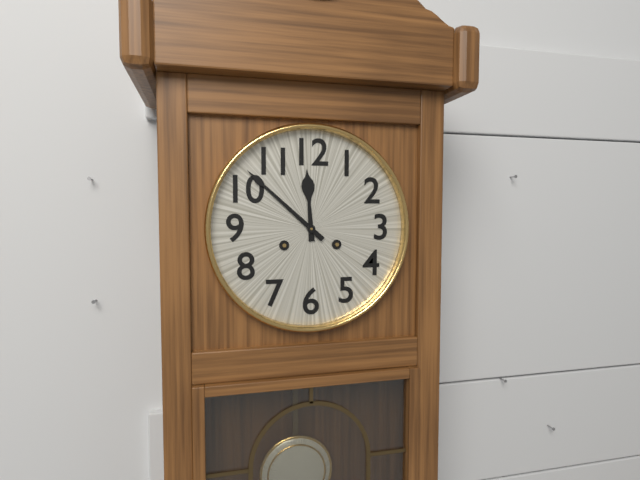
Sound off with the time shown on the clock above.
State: 11:52
